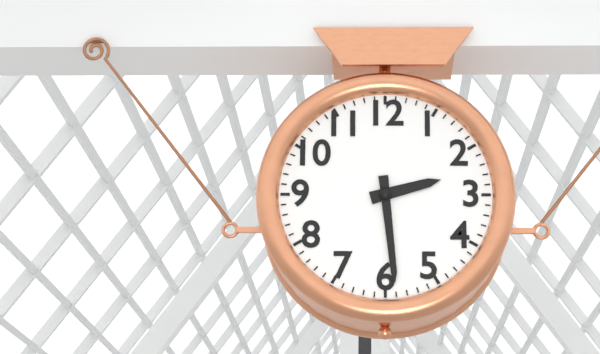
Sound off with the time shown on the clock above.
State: 2:29
